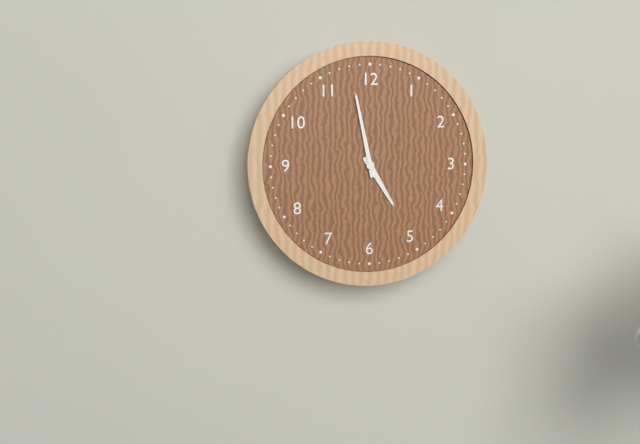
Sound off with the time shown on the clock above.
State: 4:58
